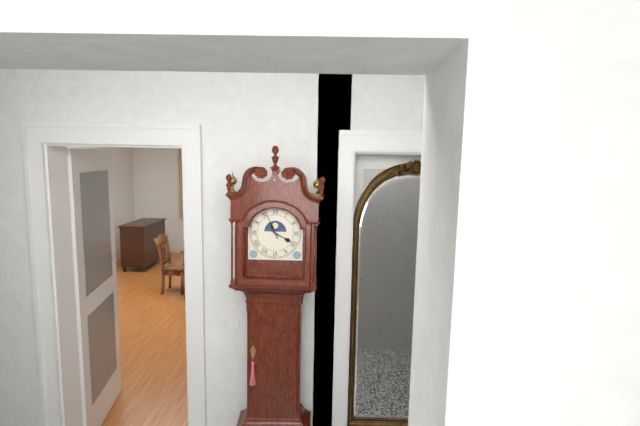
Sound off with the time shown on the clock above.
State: 3:56
